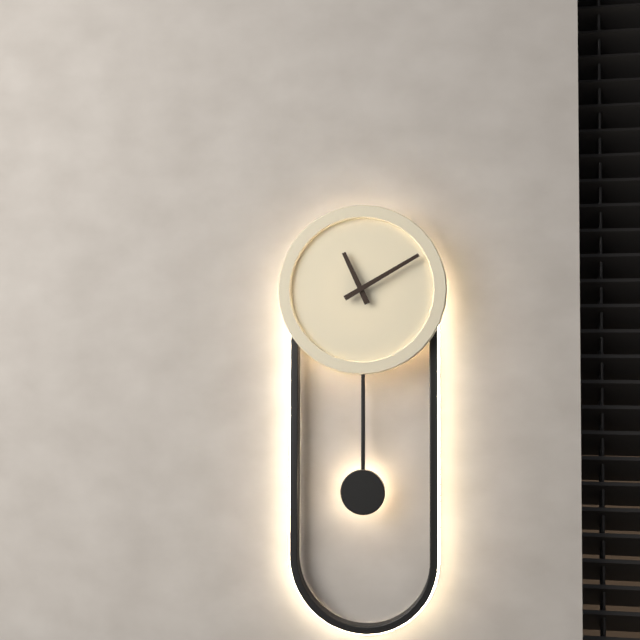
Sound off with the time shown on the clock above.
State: 11:10
